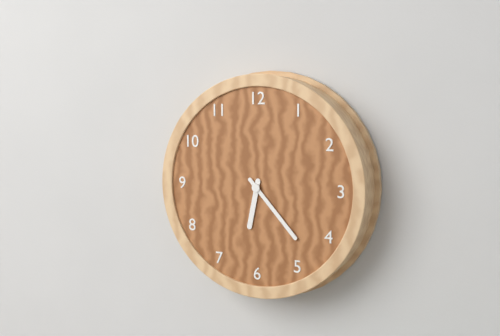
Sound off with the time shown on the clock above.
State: 6:23
